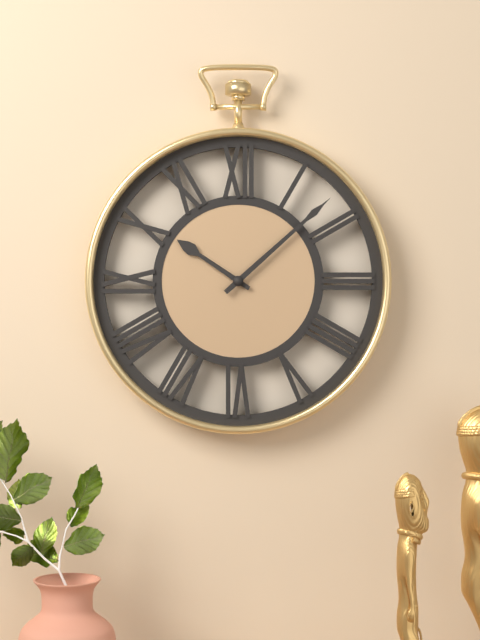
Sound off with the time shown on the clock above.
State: 10:08
